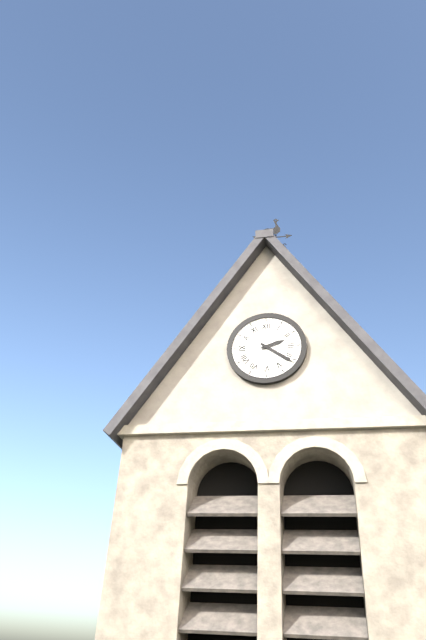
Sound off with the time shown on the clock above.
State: 2:21
